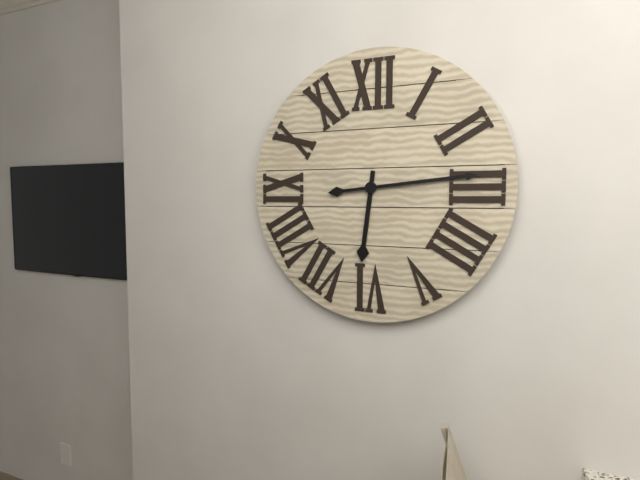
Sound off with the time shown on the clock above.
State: 6:14
